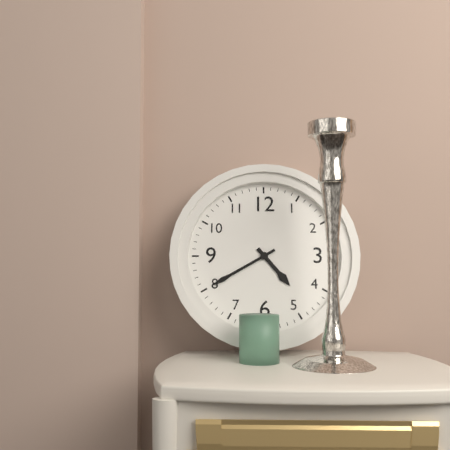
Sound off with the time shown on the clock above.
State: 4:40
